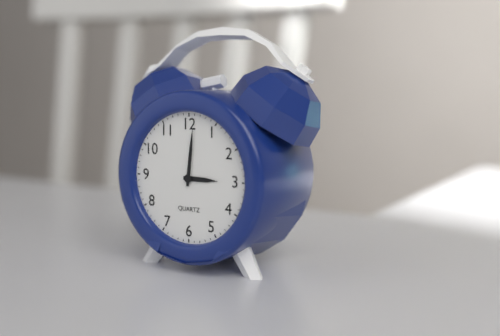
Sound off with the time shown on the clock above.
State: 3:01
